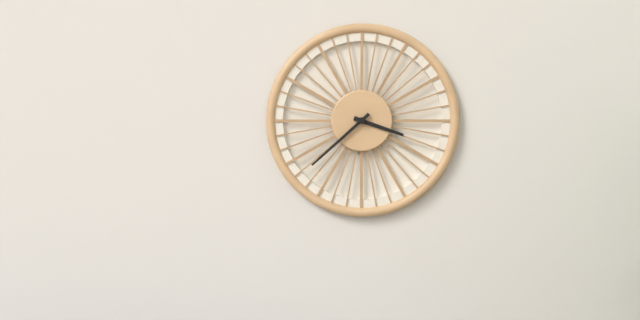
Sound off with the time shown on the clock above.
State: 3:38
